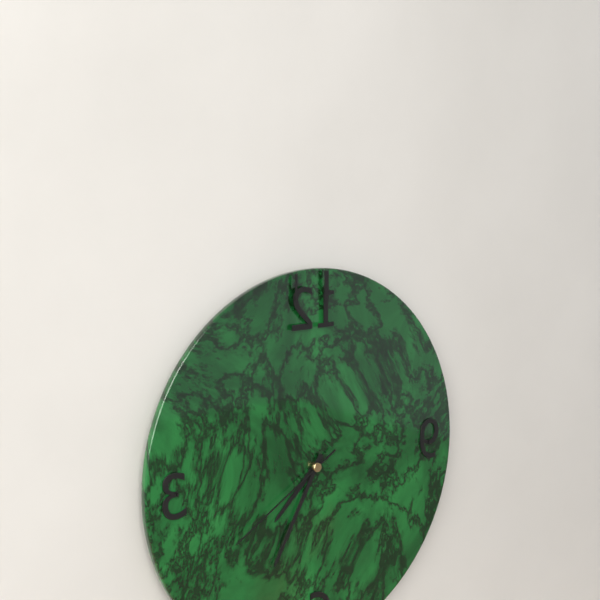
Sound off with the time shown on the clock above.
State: 7:35:40
